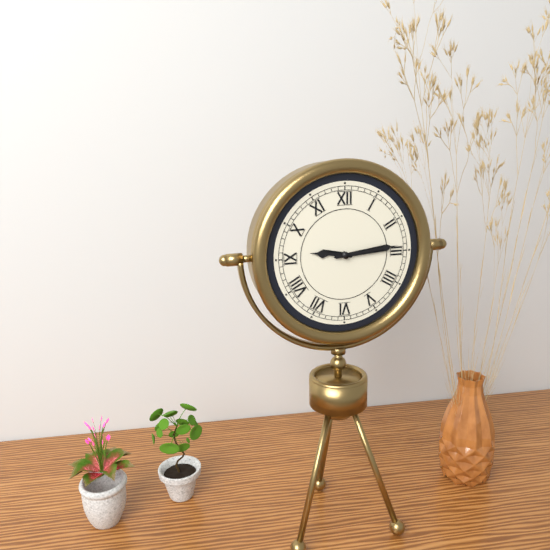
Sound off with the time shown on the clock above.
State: 9:14
